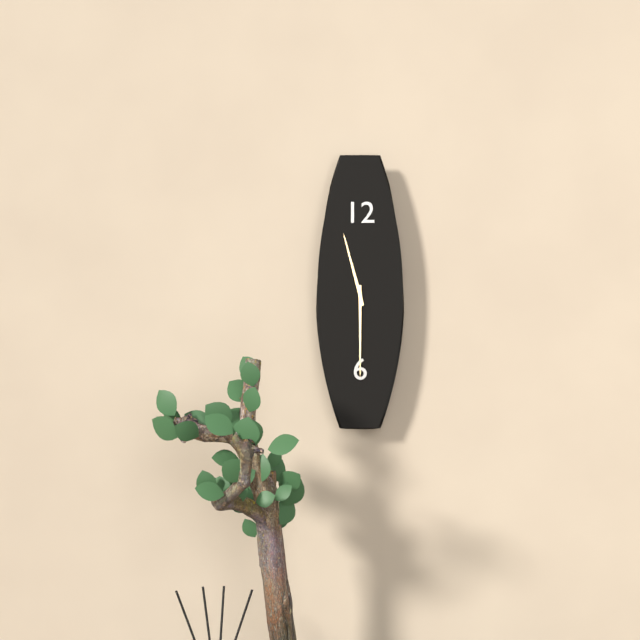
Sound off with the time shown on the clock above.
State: 11:30
